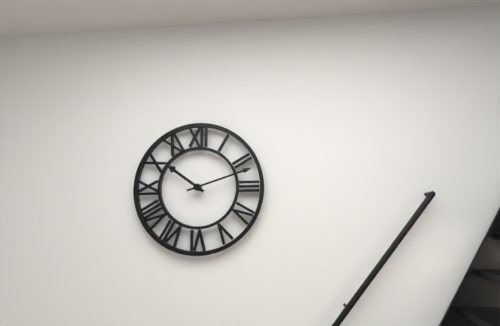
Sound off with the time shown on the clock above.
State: 10:12
